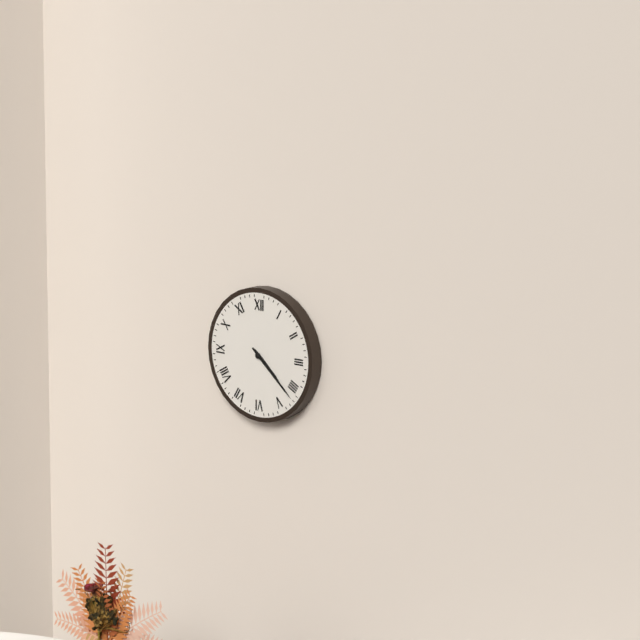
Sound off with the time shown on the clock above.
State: 4:22
